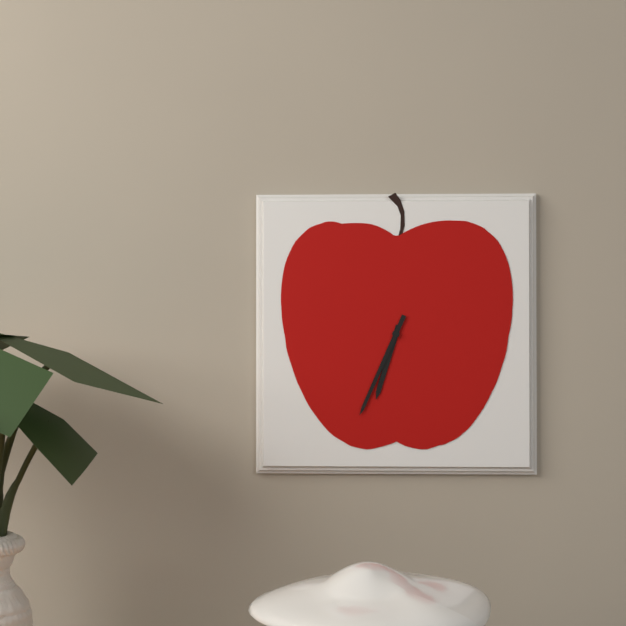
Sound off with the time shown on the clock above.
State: 6:34
